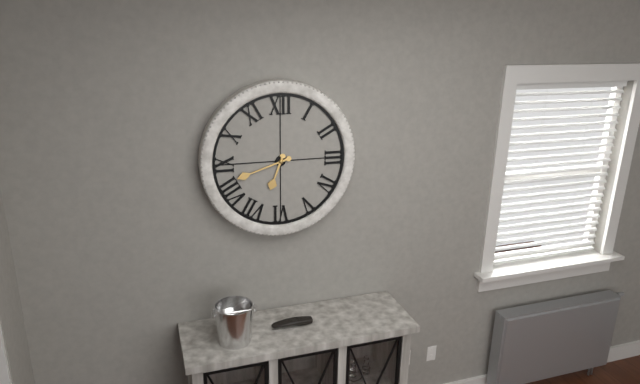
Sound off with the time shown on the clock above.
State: 6:42
